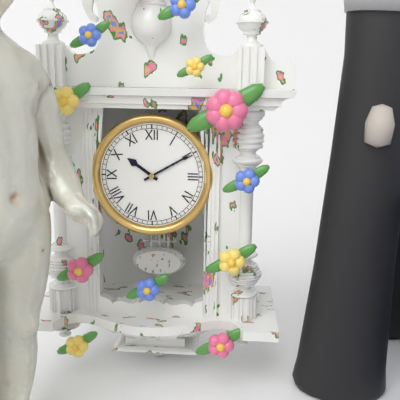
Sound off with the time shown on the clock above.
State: 10:10
